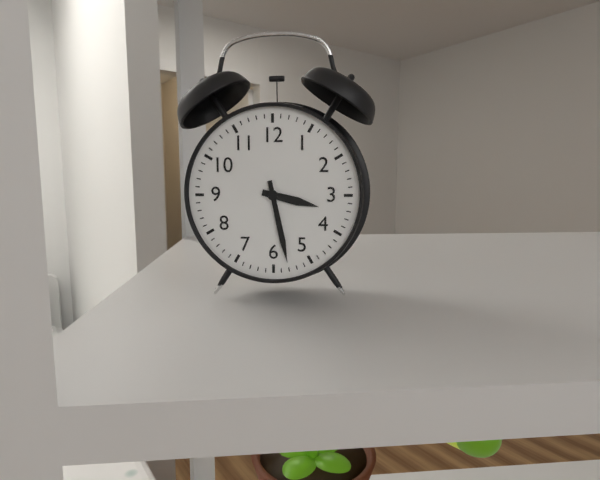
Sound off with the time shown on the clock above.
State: 3:28
